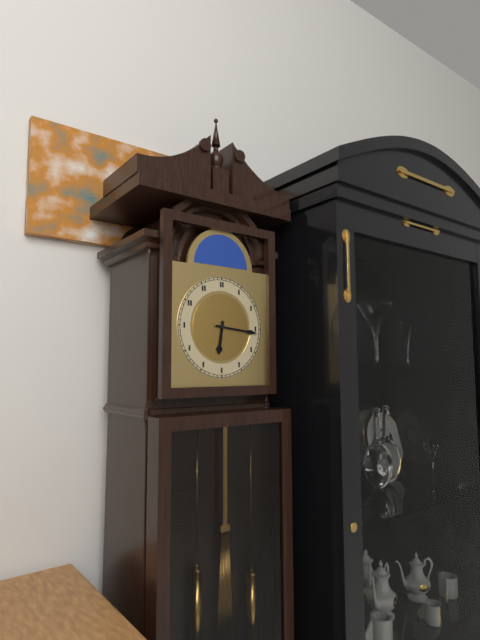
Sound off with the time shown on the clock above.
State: 6:16
